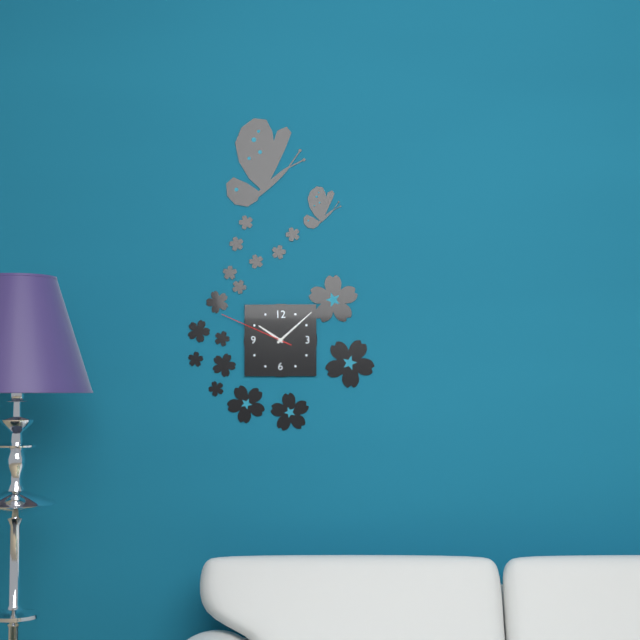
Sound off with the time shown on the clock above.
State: 10:08:49
